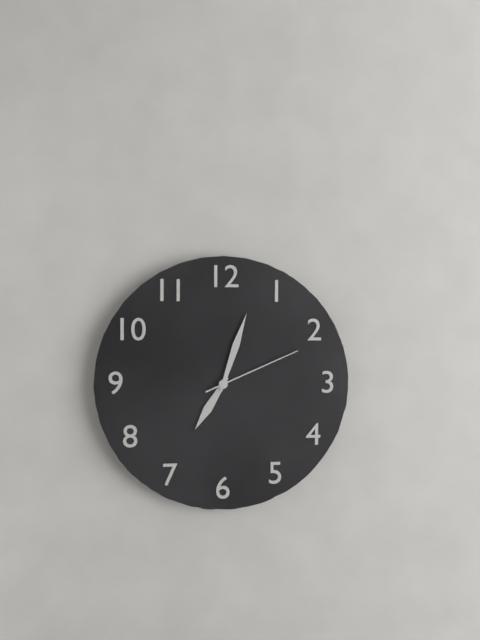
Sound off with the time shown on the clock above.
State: 7:03:11
